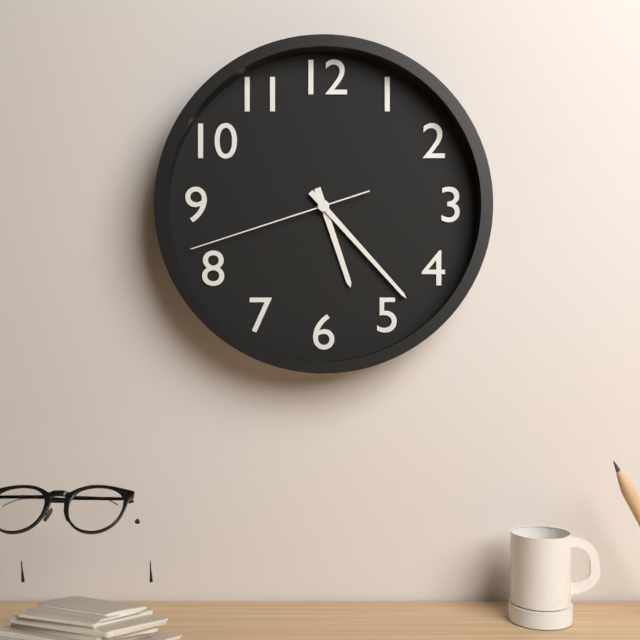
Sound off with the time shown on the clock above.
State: 5:23:42
